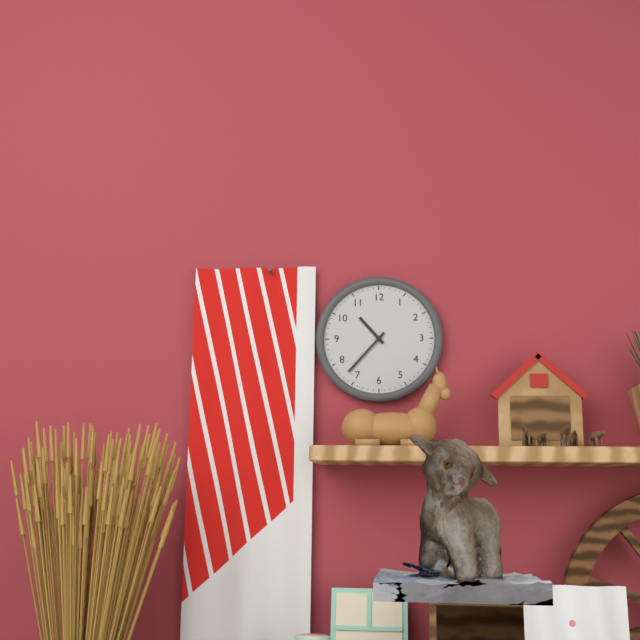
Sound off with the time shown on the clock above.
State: 10:37
